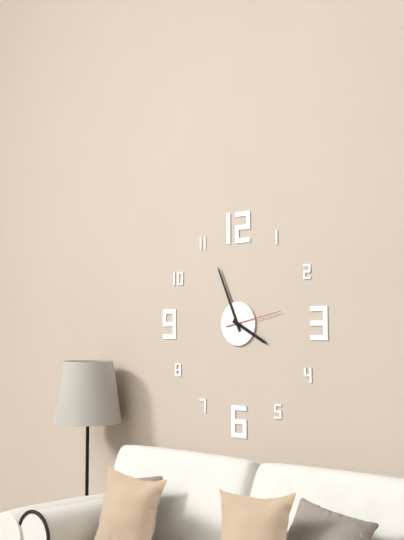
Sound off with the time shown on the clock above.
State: 3:56:13
